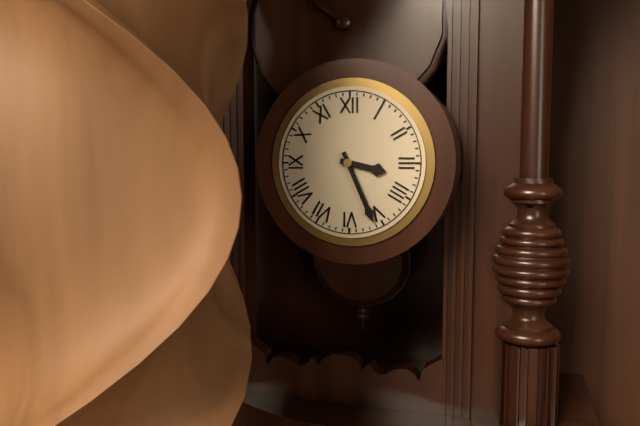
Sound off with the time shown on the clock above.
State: 3:26
